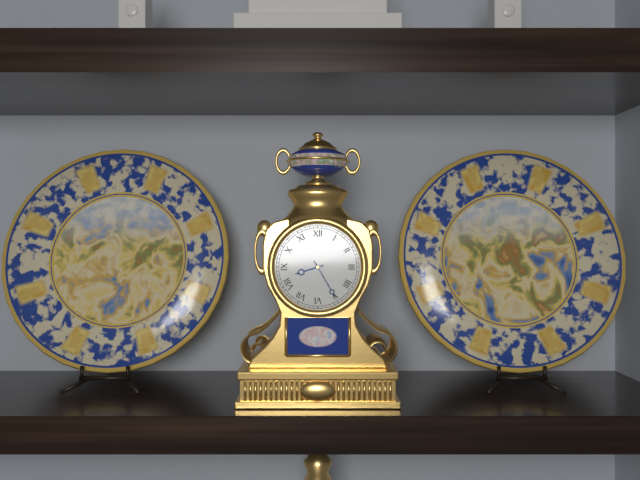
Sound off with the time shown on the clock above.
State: 8:25
